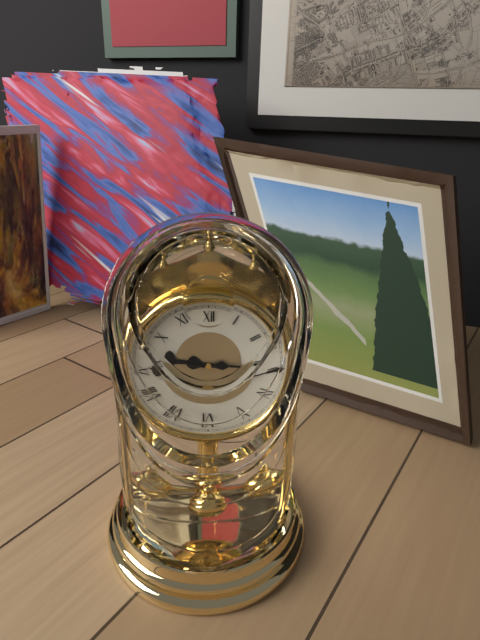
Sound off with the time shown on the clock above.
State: 9:15
